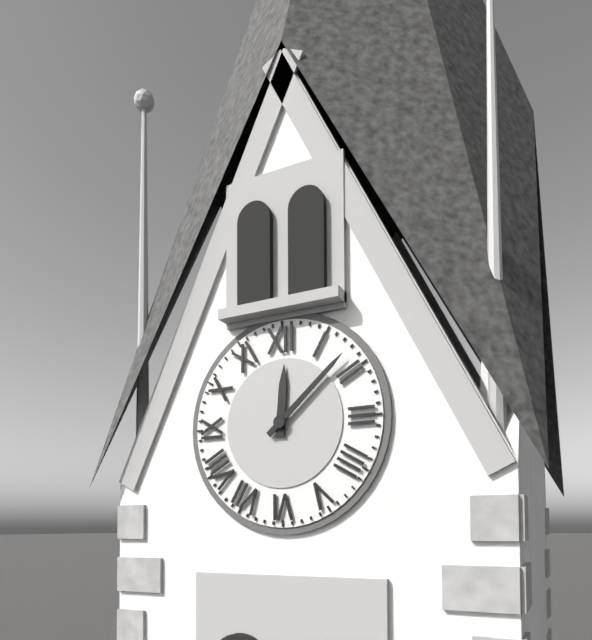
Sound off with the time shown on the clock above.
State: 12:08
